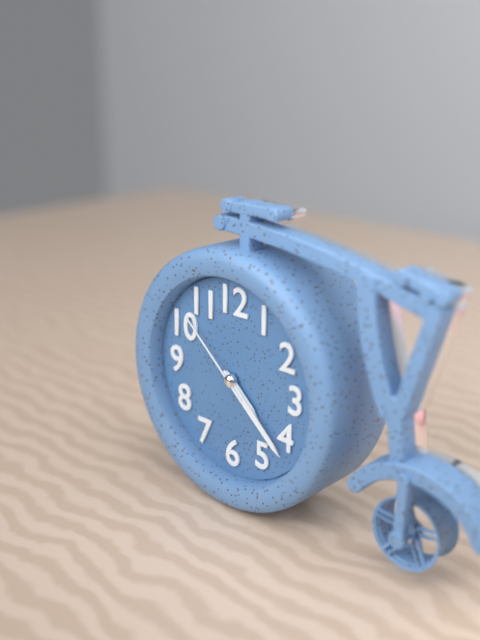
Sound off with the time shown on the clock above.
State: 4:22:52
